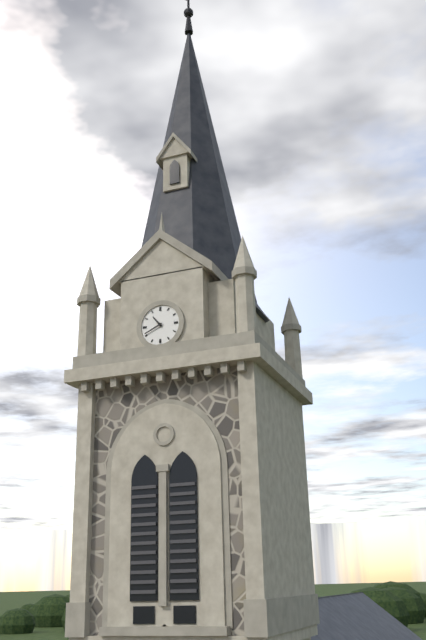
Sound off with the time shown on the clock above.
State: 10:41
